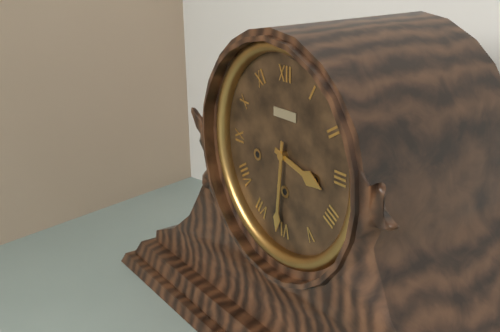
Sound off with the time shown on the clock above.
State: 3:31
